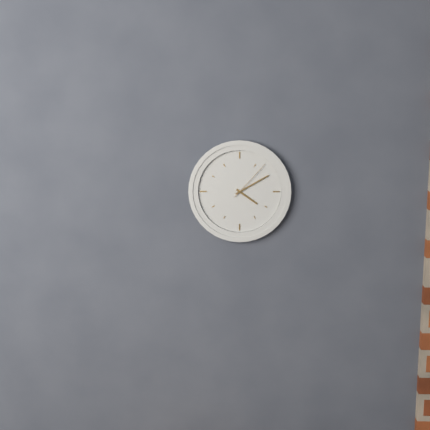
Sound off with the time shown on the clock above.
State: 4:10
